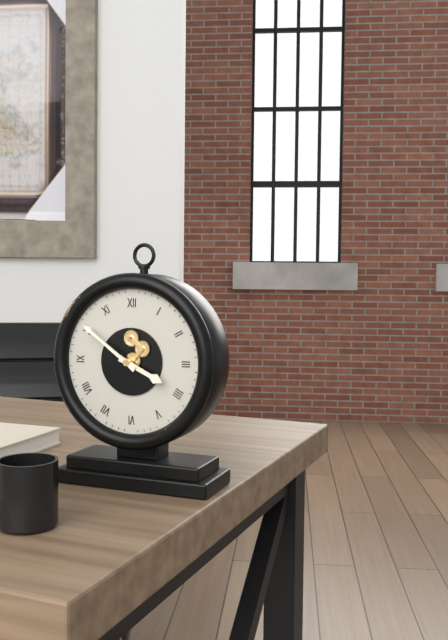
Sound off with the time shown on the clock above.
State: 3:51
